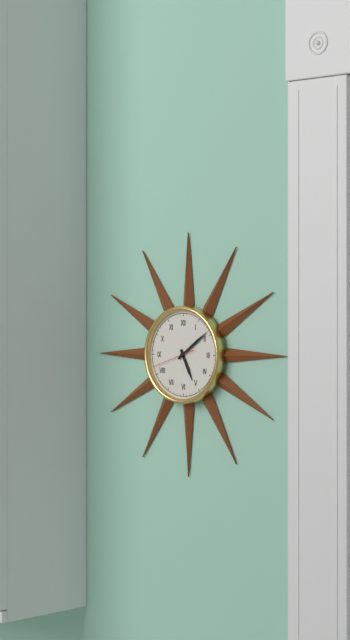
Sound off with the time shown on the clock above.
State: 5:09
